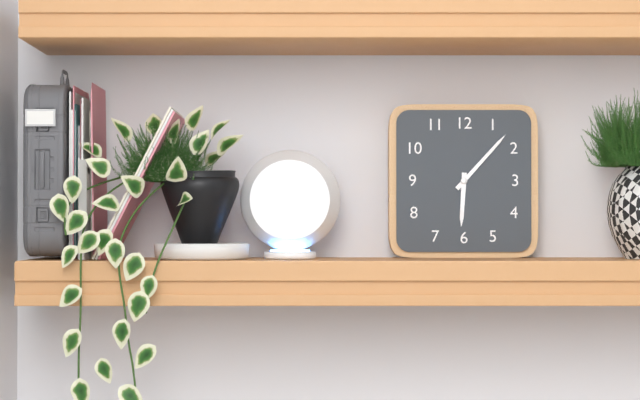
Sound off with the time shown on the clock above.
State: 6:07
